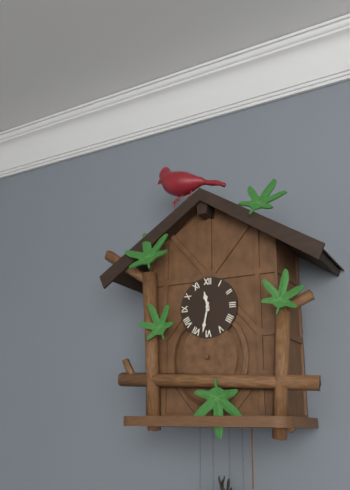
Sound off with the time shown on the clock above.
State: 11:32
